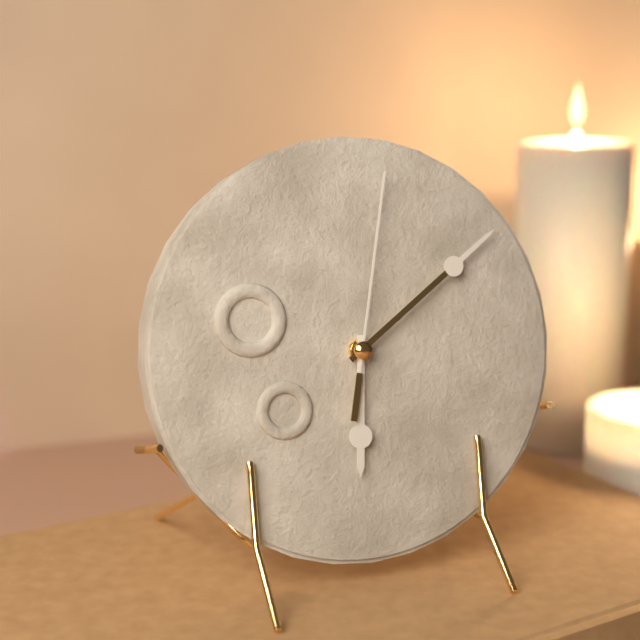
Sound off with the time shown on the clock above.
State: 6:09:02
